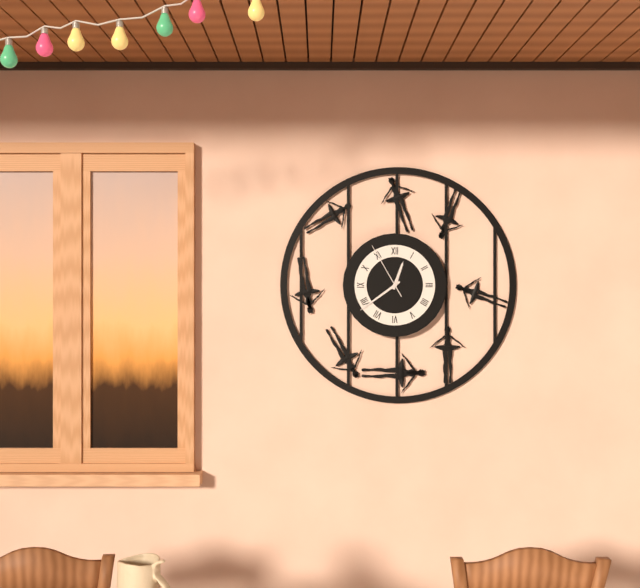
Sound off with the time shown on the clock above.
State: 12:39:55
